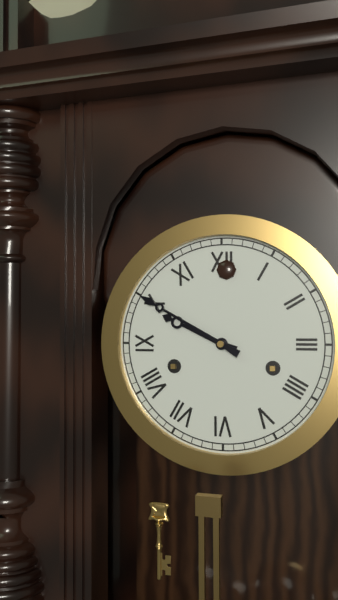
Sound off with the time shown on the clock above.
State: 9:50
